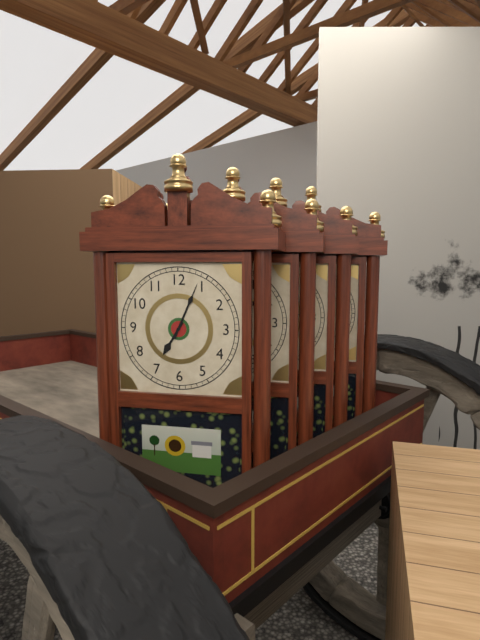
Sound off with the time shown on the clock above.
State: 7:04
